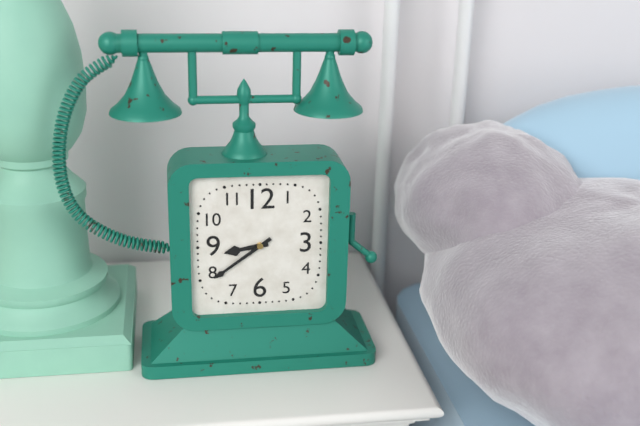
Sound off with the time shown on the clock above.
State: 8:39
